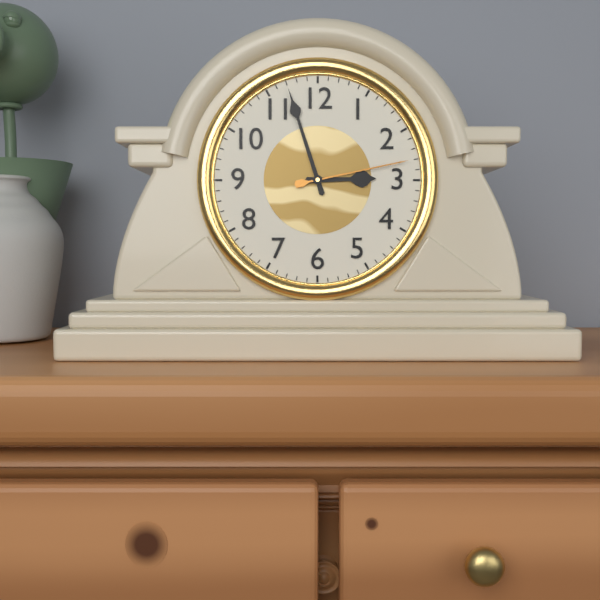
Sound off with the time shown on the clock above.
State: 2:57:13
